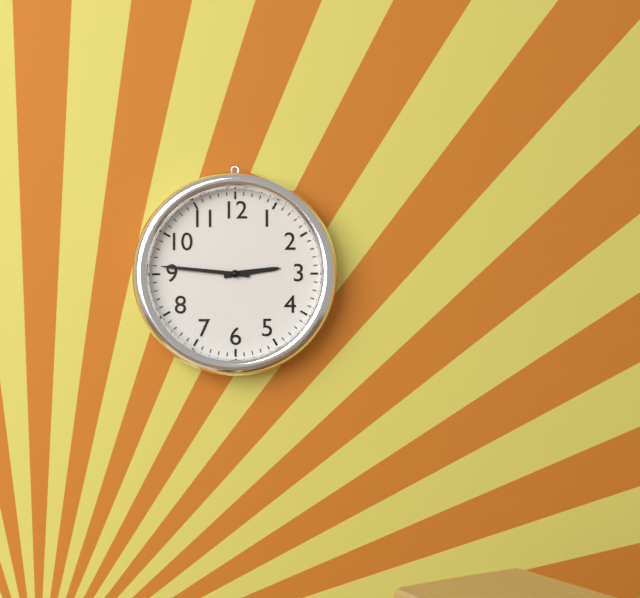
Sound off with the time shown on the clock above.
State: 2:46
